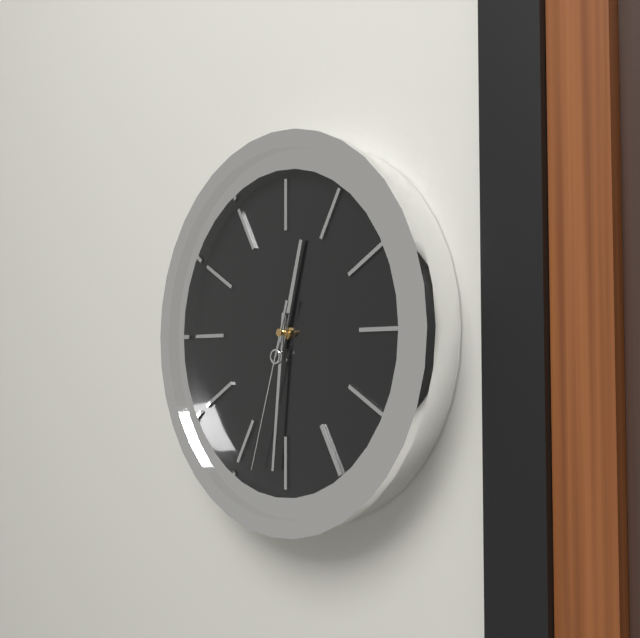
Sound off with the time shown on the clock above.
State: 12:31:33
